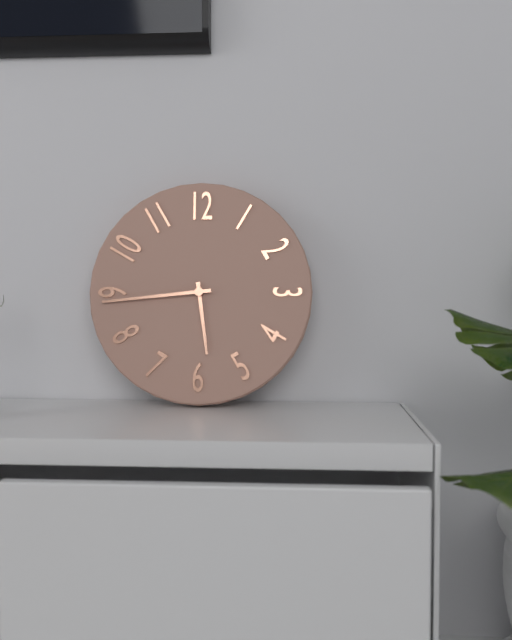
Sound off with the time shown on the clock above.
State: 5:44
